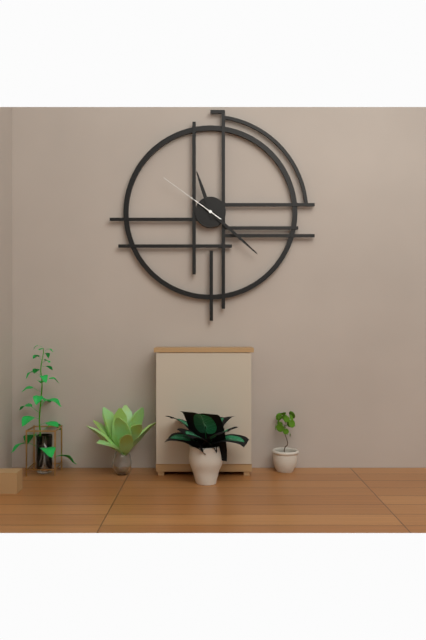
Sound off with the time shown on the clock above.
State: 11:22:51
